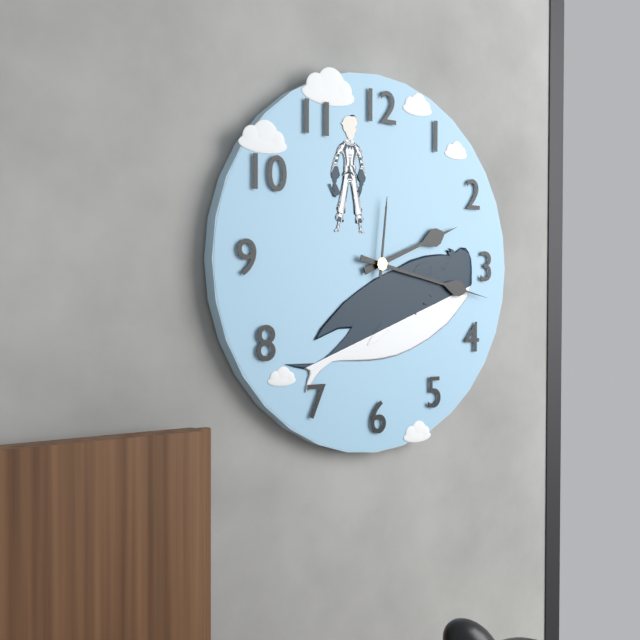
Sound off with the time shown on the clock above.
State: 2:17:01
